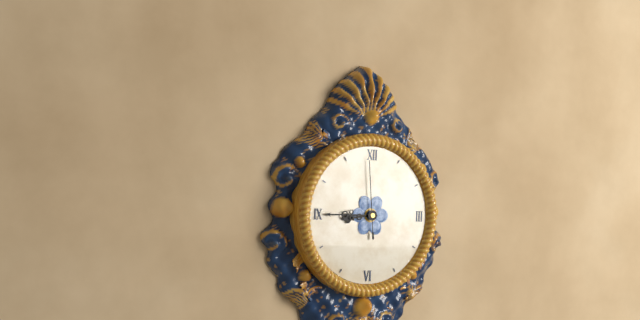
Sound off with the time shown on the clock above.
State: 8:45:59
